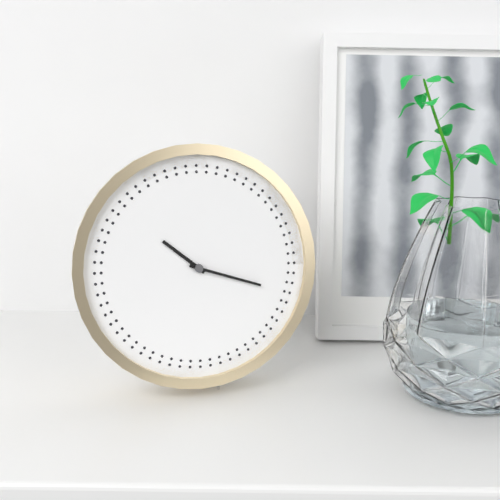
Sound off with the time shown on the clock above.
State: 10:18
